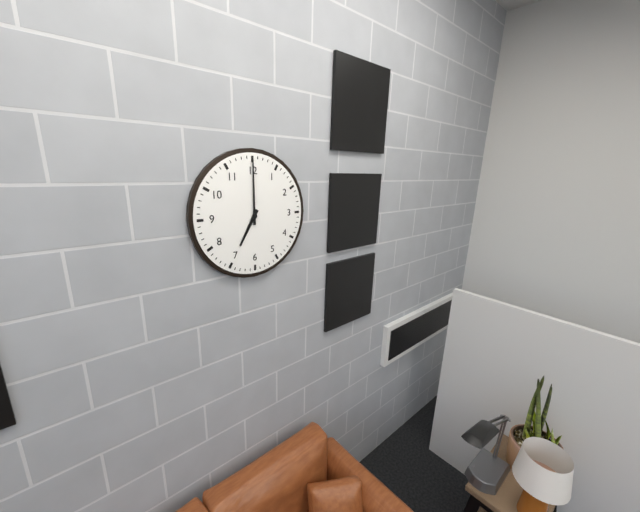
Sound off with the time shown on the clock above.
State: 7:00
